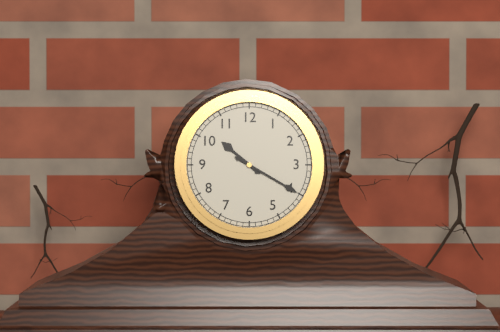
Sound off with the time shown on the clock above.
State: 10:20
